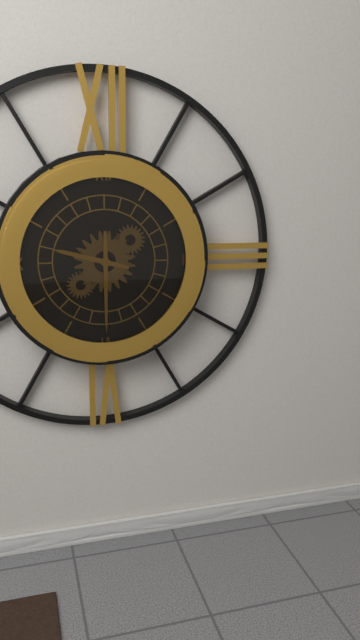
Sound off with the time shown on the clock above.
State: 9:30
